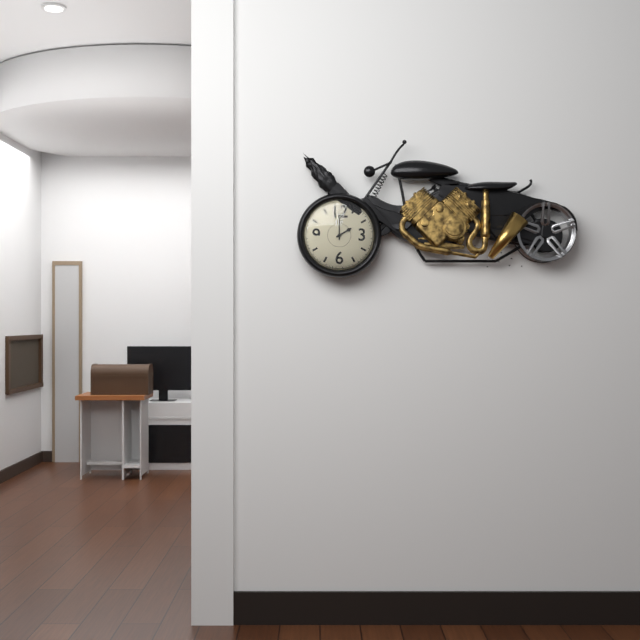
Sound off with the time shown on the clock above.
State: 2:00
